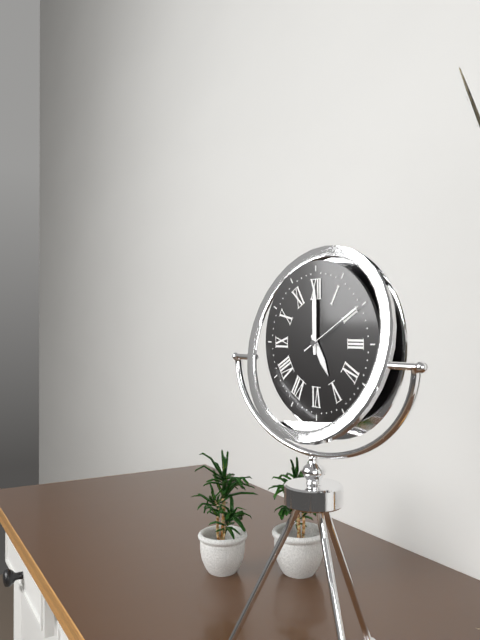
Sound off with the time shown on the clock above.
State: 5:00:10
